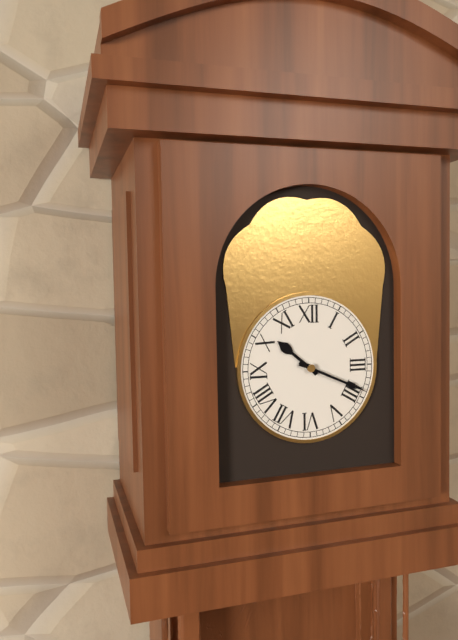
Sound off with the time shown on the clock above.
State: 10:19
